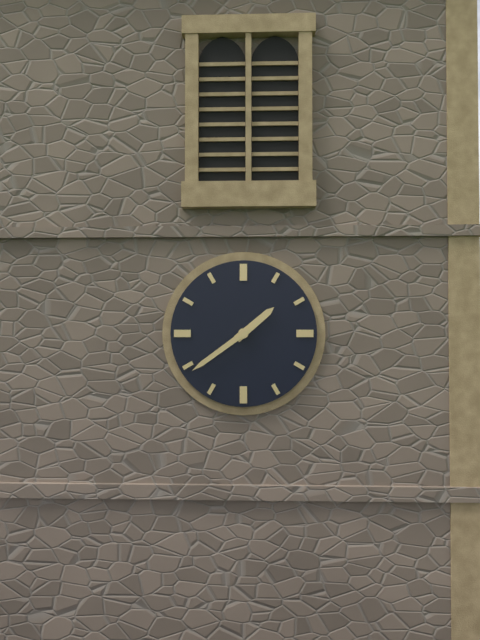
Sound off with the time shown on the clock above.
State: 1:39
